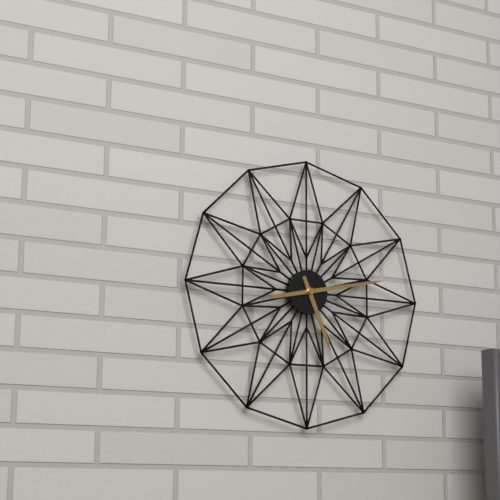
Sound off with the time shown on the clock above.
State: 5:13
